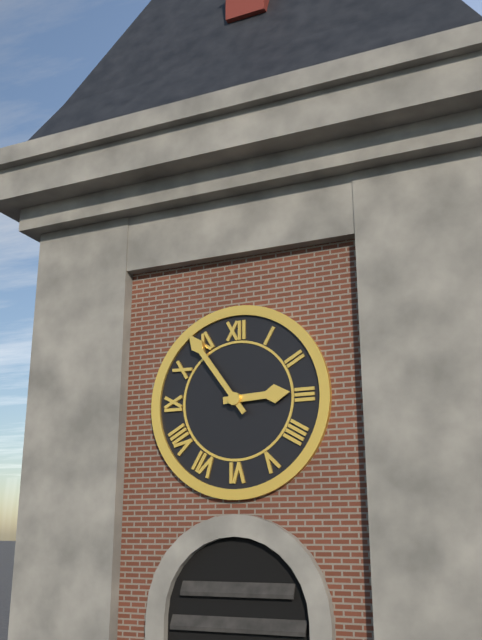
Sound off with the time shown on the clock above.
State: 2:54
